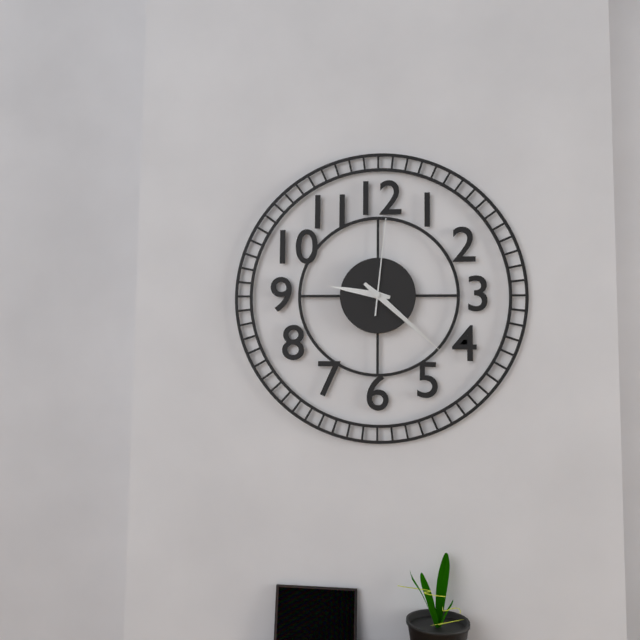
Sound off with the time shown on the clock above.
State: 9:22:01
